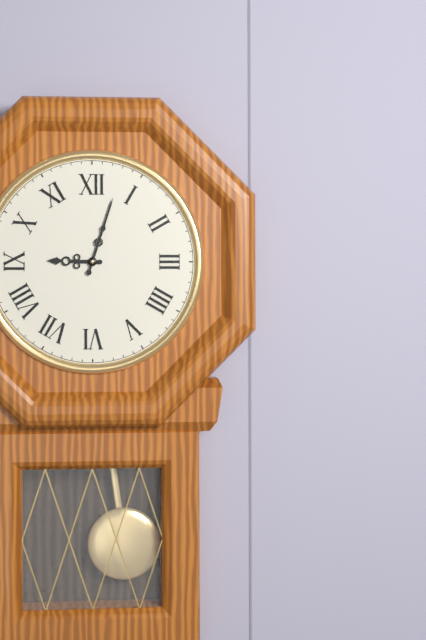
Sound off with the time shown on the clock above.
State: 9:03
